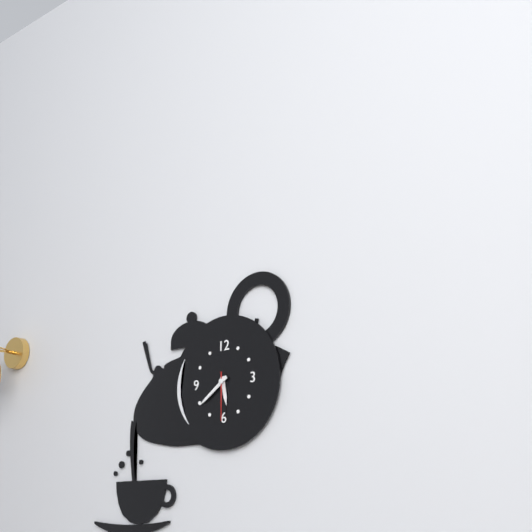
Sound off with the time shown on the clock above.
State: 5:39
